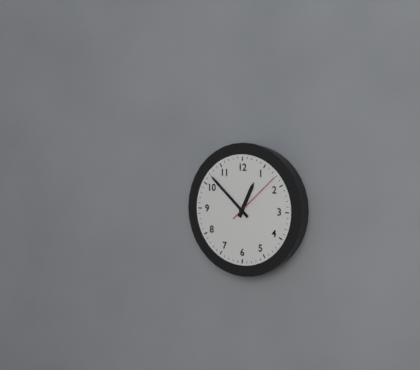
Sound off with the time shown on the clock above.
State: 12:52:08
